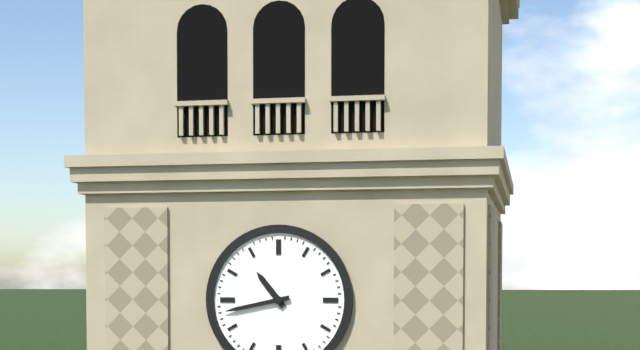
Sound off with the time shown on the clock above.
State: 10:43
